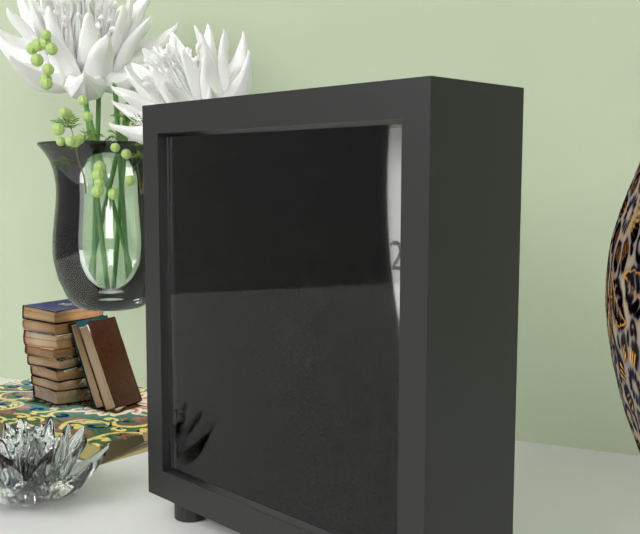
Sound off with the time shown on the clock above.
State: 12:08
